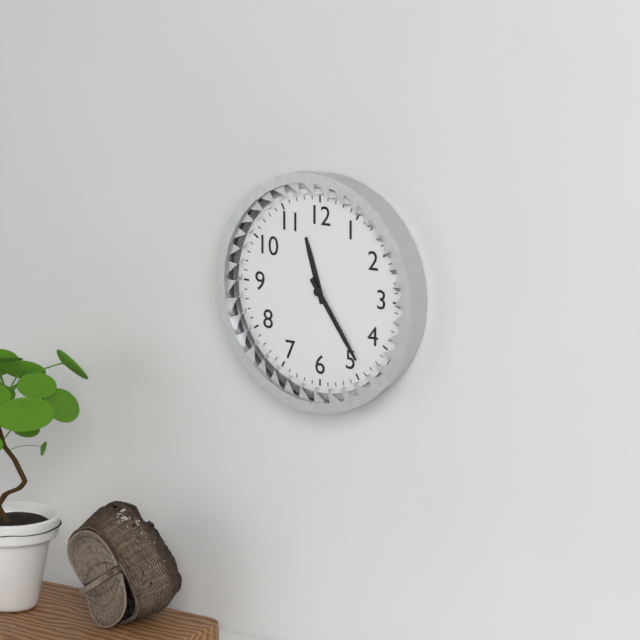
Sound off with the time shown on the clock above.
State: 11:24
